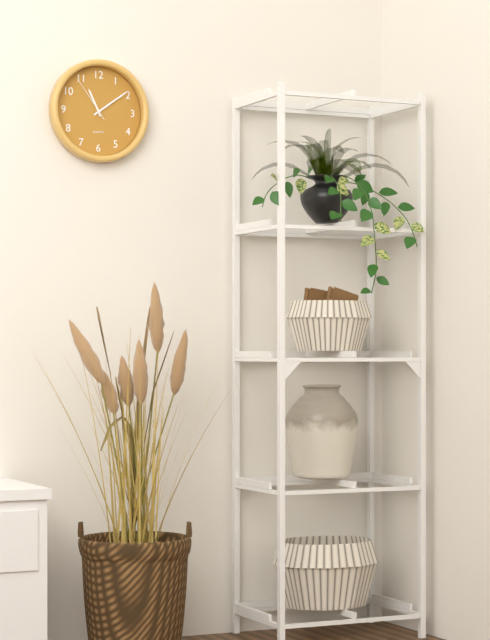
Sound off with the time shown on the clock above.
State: 11:09
